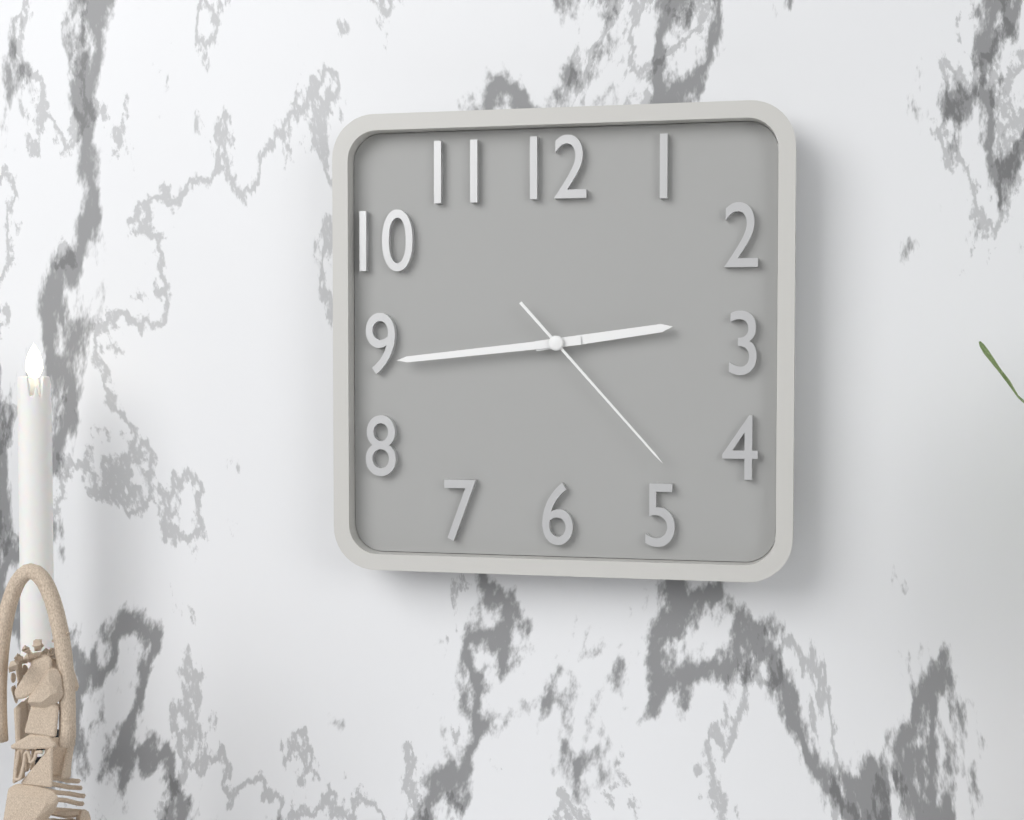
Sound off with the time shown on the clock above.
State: 2:44:23
